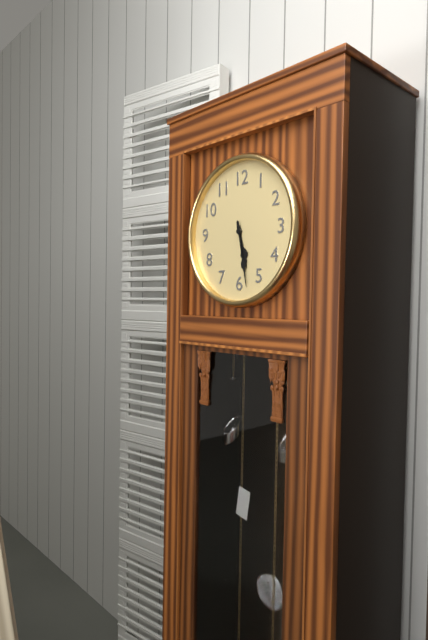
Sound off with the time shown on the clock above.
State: 5:28
